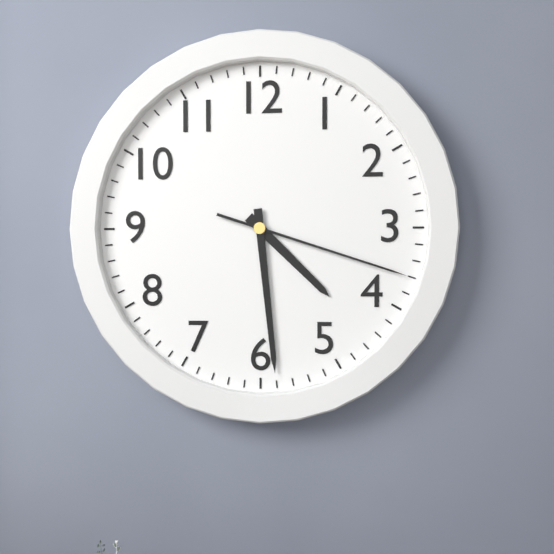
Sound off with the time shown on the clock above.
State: 4:29:18
